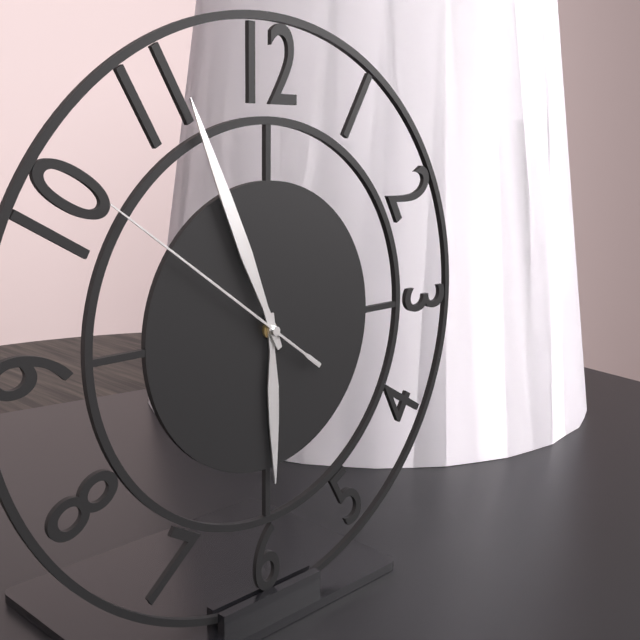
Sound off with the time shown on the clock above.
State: 5:56:51
